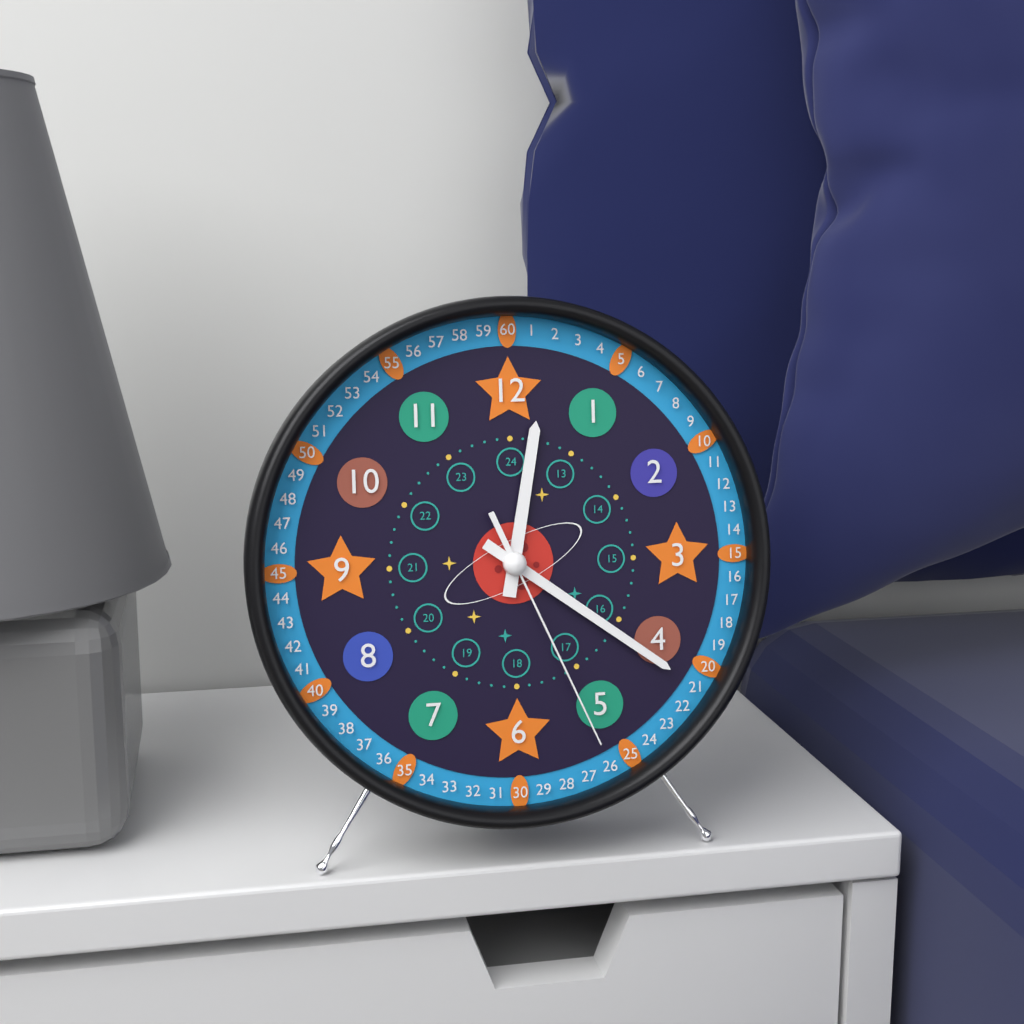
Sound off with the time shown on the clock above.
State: 12:21:26
